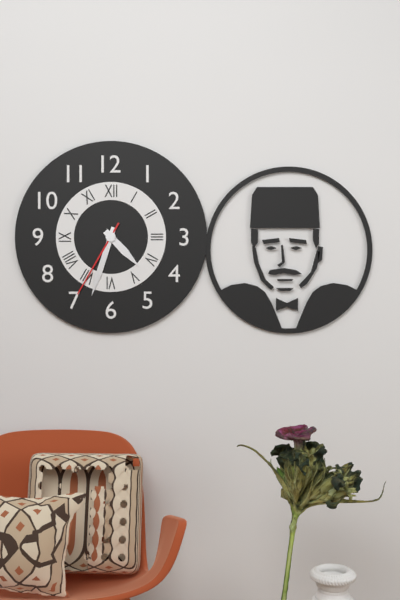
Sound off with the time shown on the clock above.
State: 4:33:35
